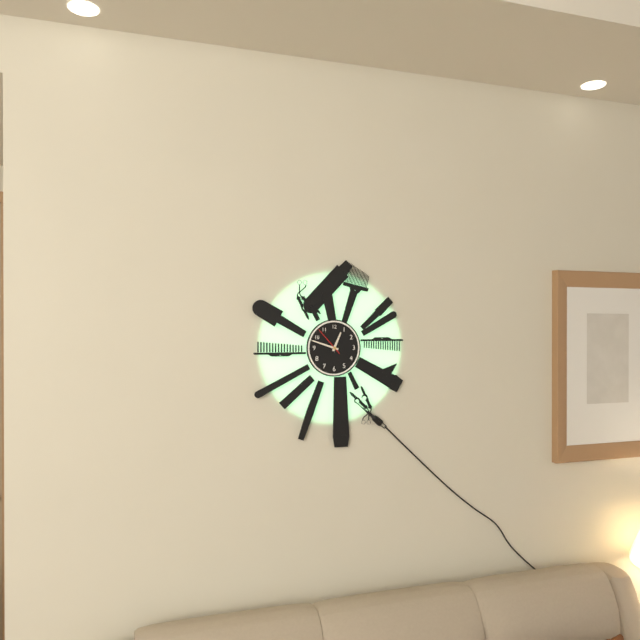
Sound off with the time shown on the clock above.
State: 12:48
